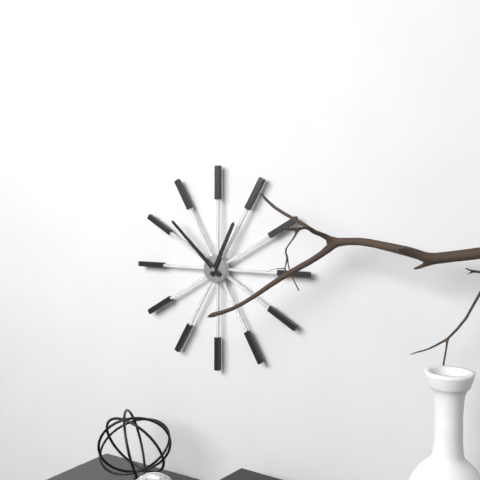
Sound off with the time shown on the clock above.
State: 12:52
